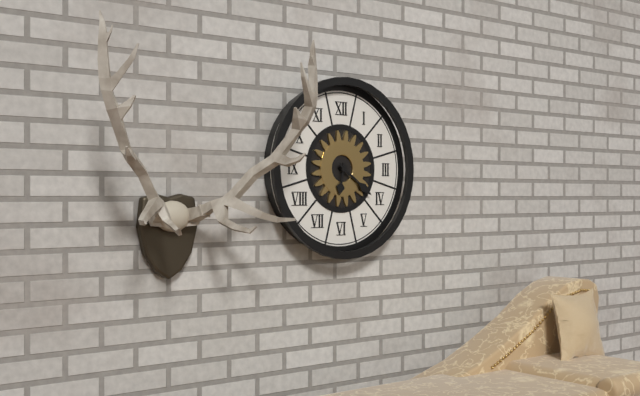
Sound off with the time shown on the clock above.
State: 6:21
